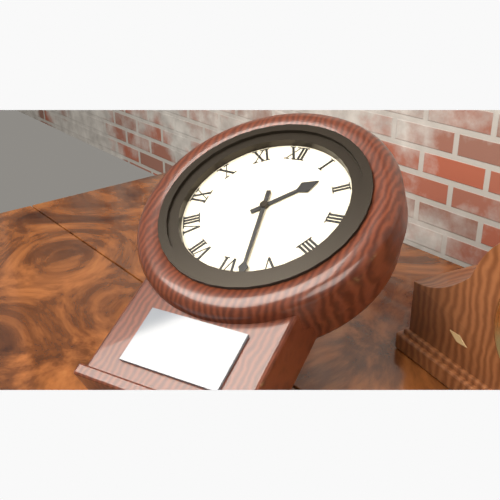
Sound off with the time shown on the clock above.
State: 1:28
